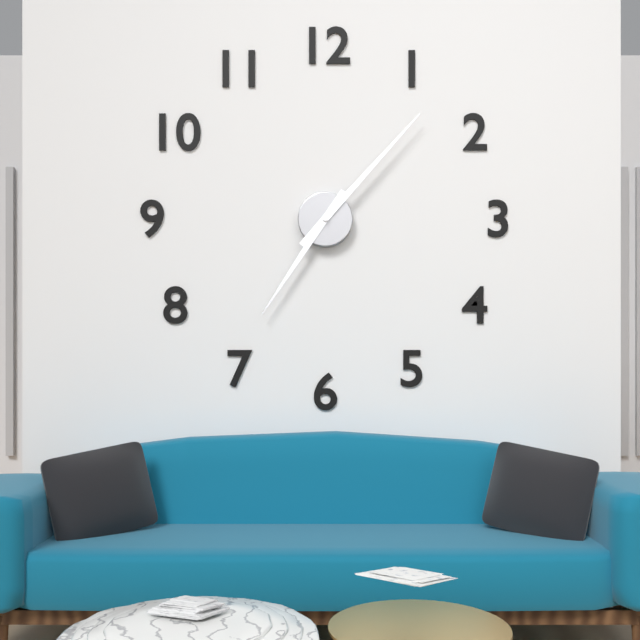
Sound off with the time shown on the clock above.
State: 7:07
